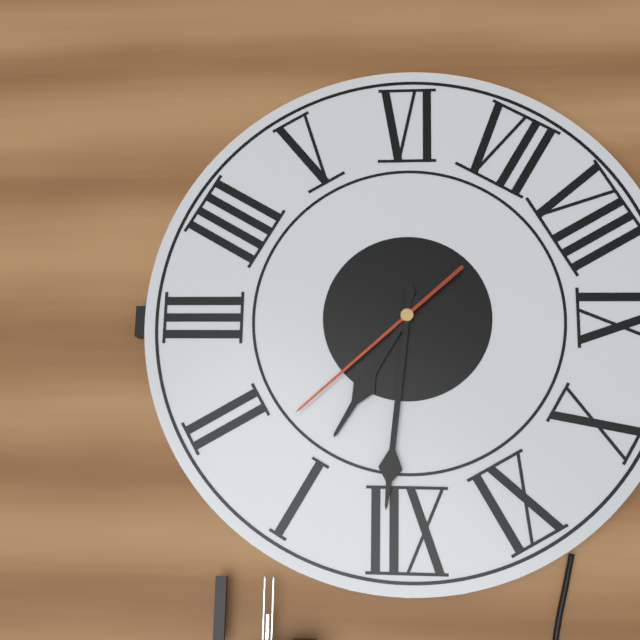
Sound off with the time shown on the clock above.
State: 1:01:08
